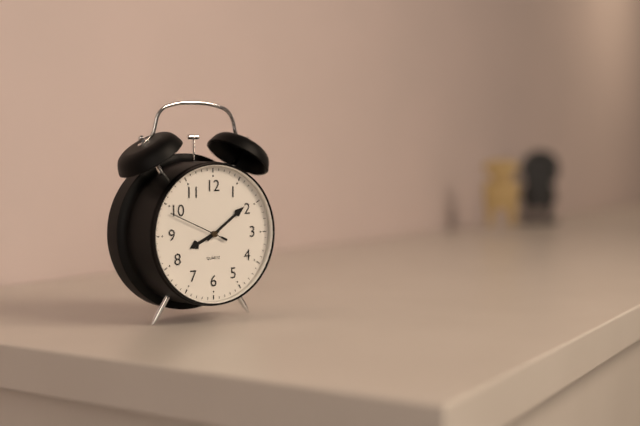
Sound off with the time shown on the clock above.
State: 8:09:49
